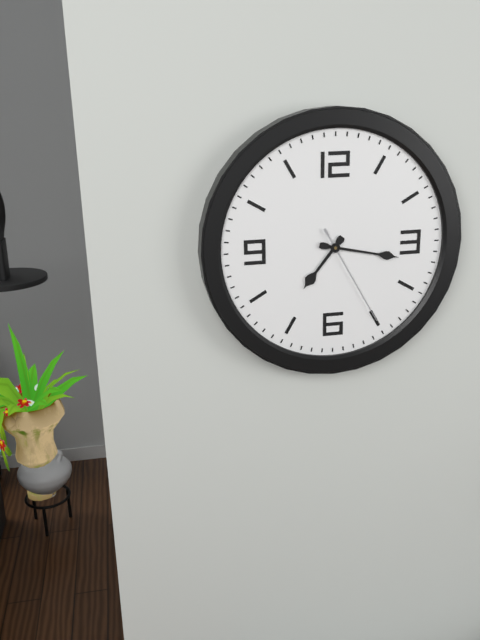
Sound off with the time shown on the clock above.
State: 7:17:25
